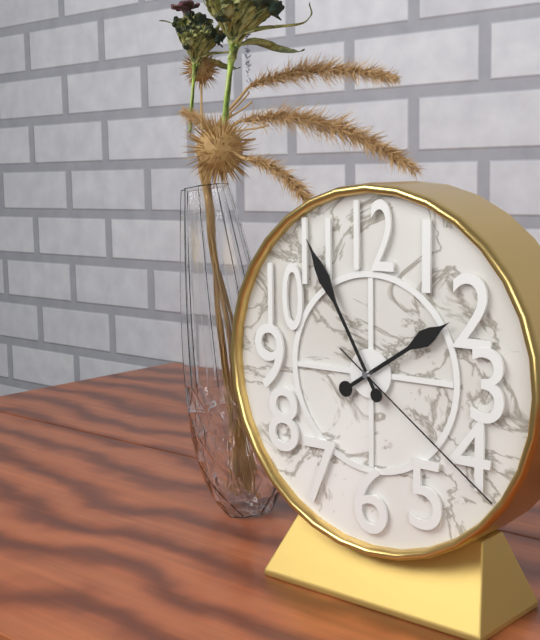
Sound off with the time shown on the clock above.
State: 1:55:21
